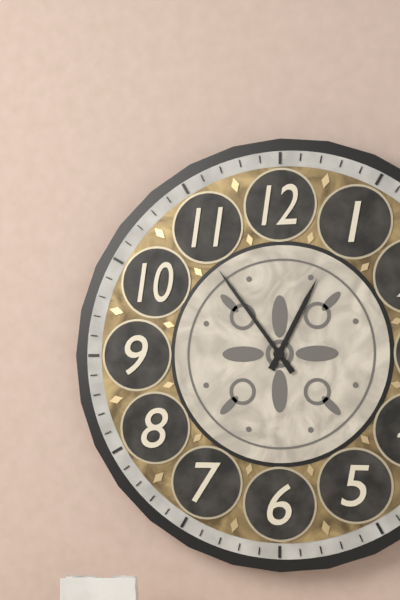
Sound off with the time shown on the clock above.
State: 12:54
